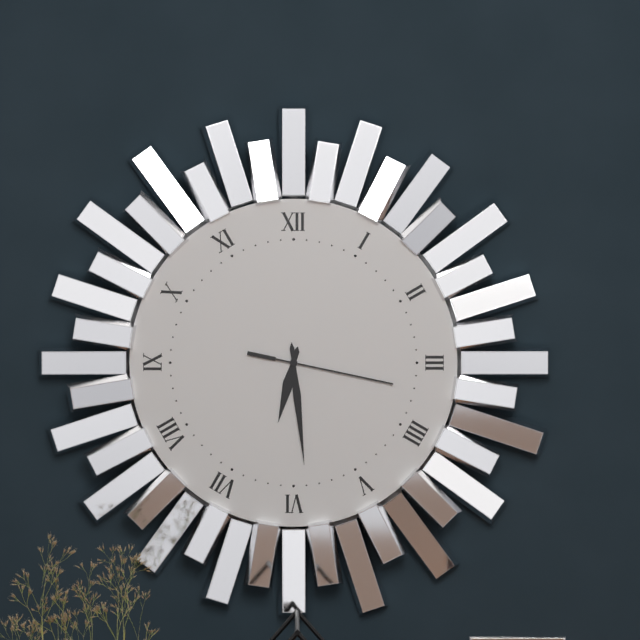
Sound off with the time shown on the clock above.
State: 6:29:17
